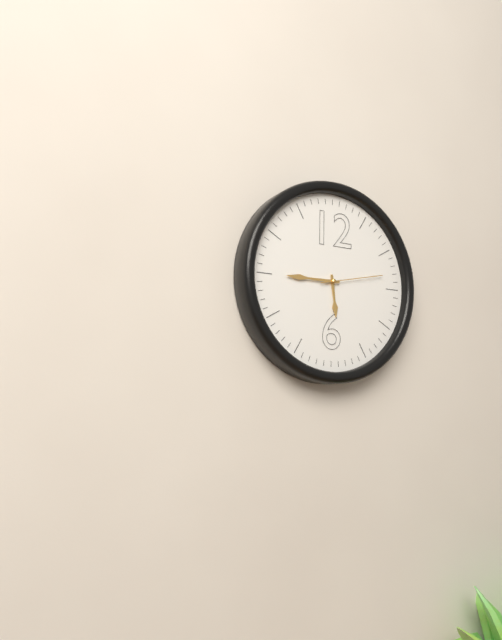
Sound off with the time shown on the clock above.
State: 5:45:13
